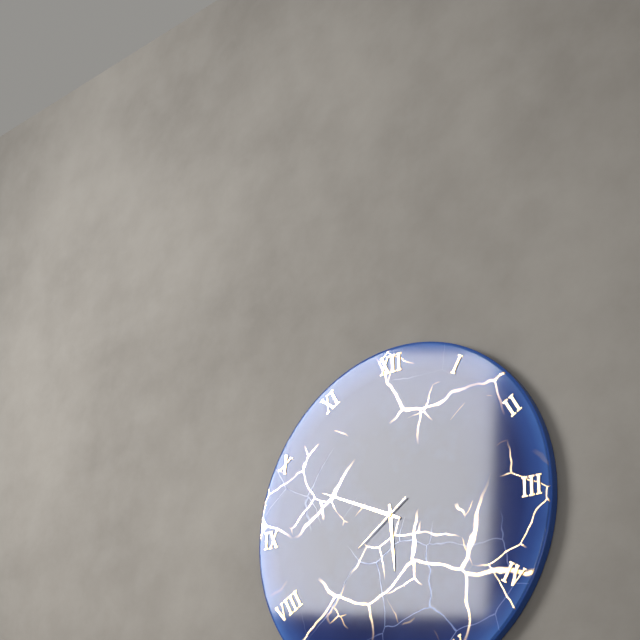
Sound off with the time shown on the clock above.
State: 5:49:39
